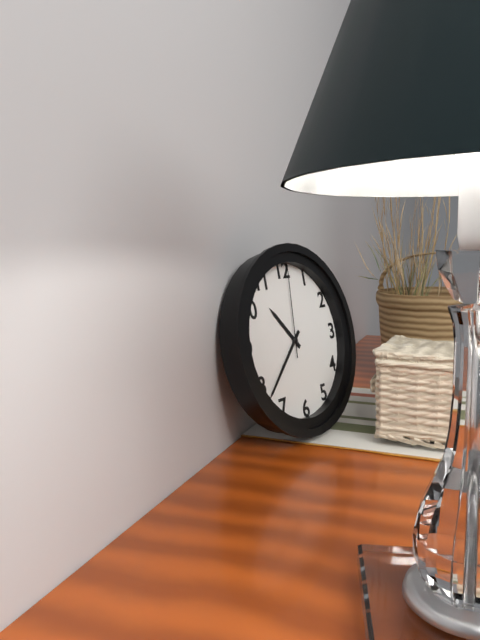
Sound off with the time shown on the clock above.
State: 10:38:01
